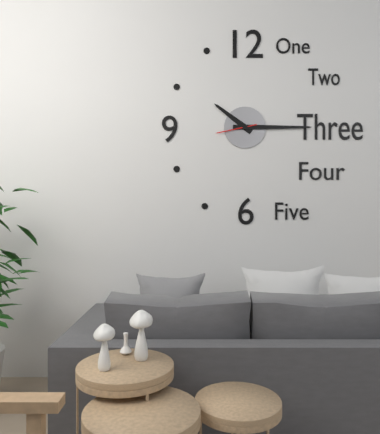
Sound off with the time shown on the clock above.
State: 10:15
